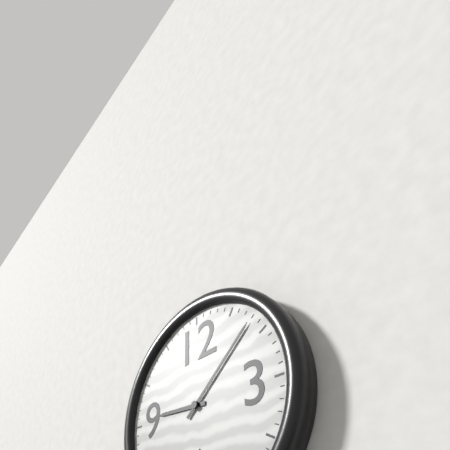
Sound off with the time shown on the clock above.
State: 9:08
